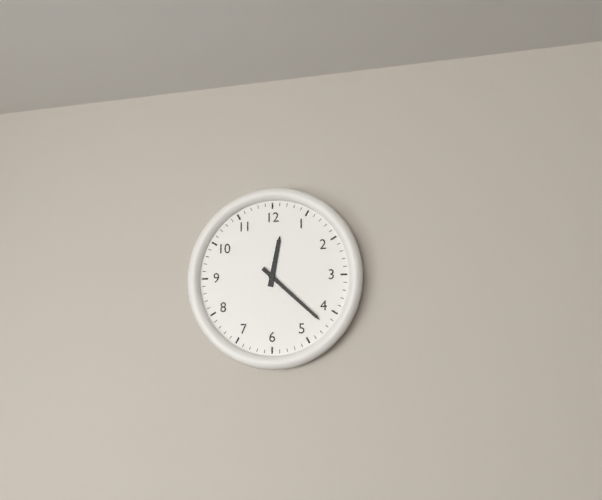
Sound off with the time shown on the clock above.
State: 12:22
